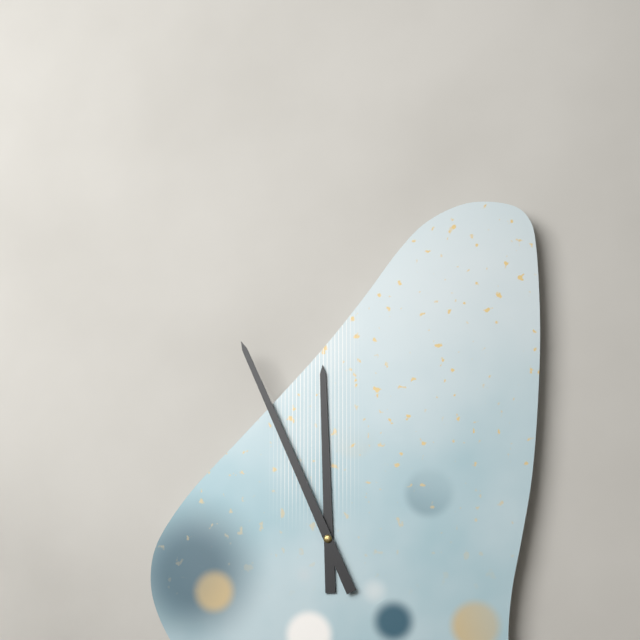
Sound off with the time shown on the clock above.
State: 11:56
